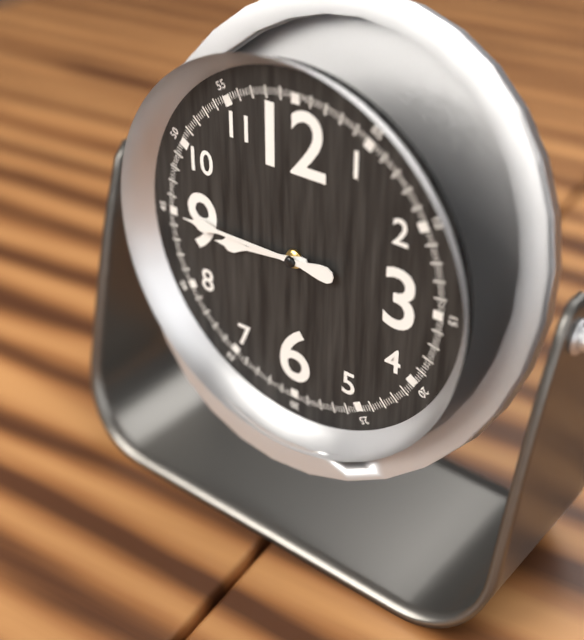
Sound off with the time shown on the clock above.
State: 8:45
